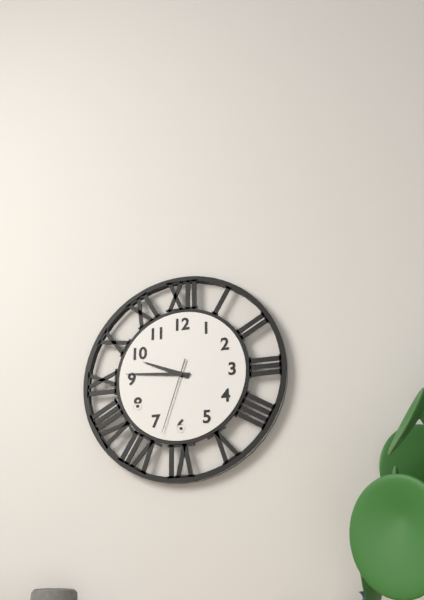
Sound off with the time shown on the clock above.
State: 9:46:33
